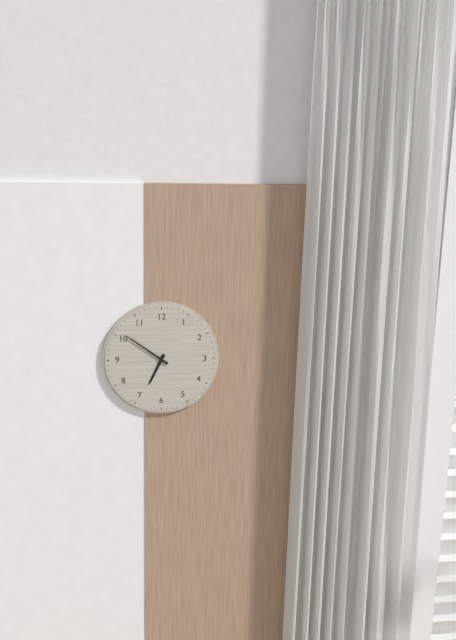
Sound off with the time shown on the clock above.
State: 6:51
